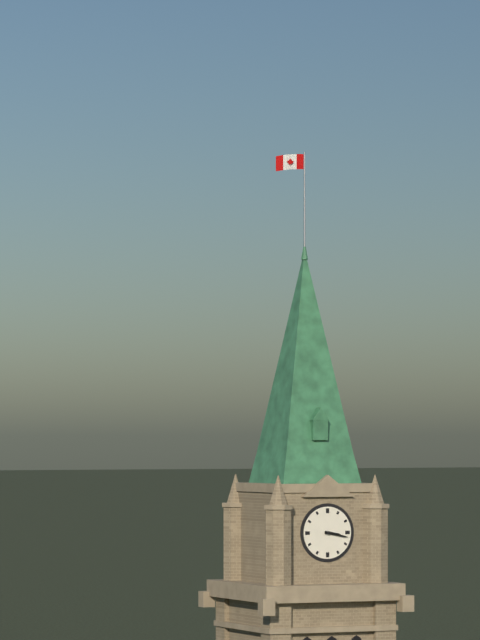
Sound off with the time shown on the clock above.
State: 3:17
